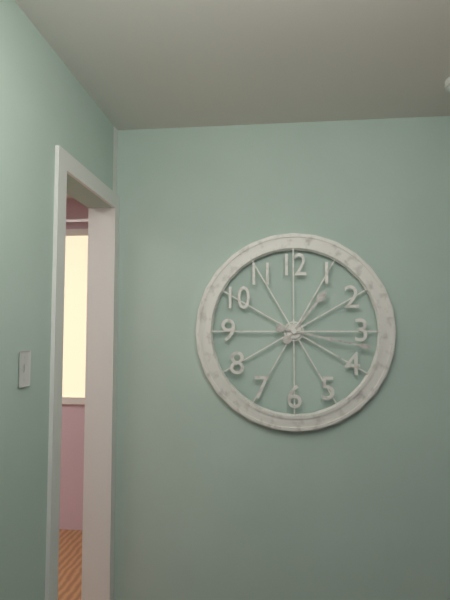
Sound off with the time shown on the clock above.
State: 1:17
